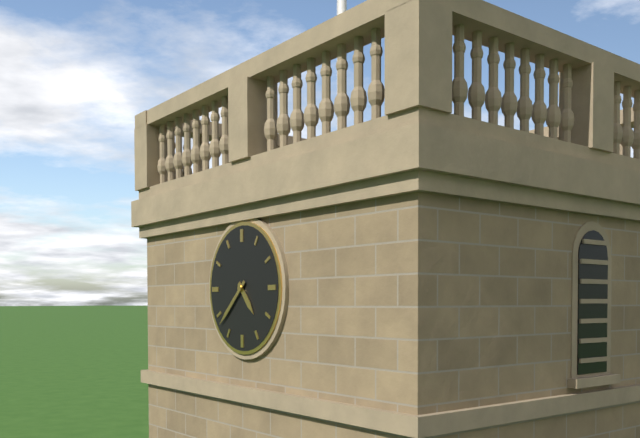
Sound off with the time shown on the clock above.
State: 4:38
